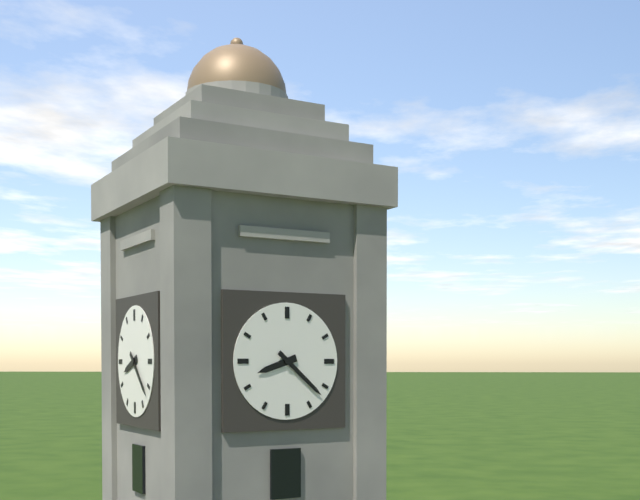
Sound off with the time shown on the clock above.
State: 8:22
